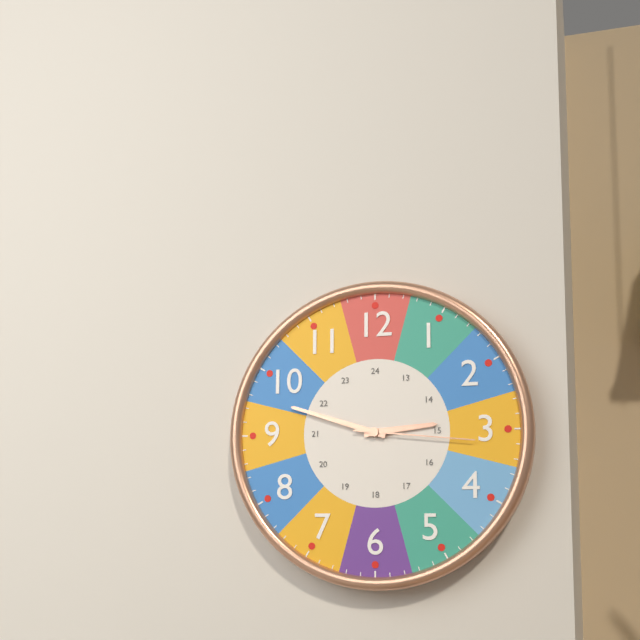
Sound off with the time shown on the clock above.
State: 2:48:16
